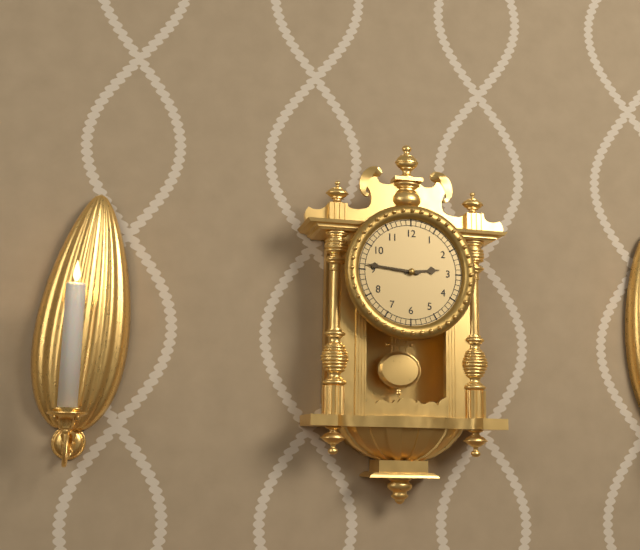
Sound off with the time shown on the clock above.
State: 2:46
